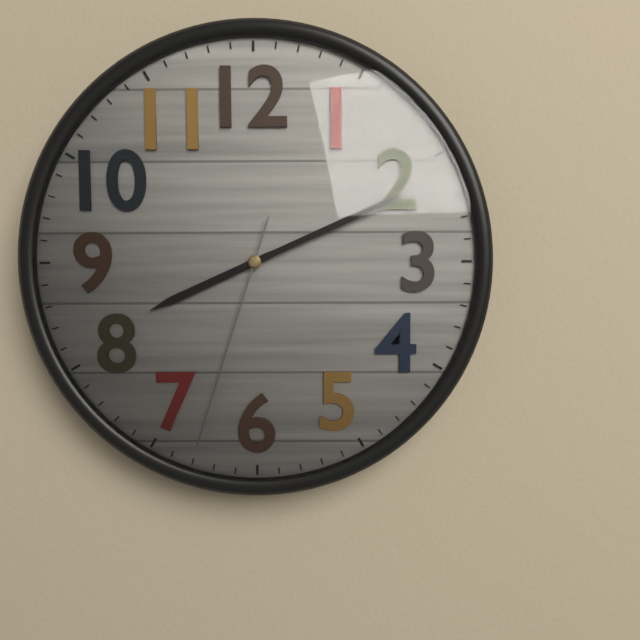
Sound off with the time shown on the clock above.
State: 8:11:33
